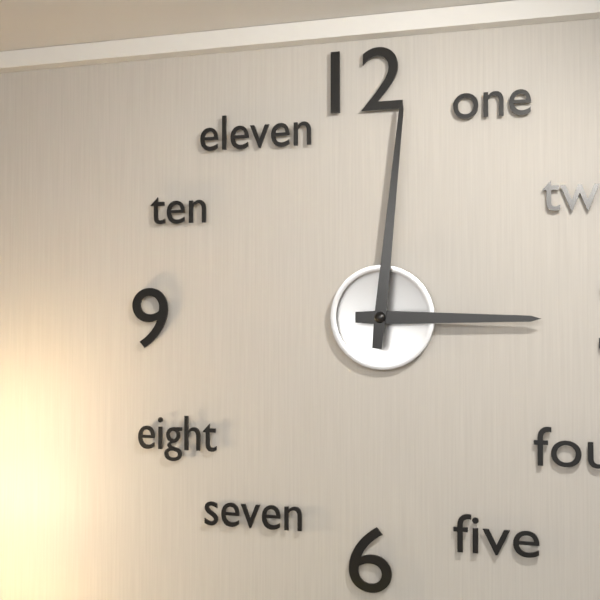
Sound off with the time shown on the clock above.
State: 3:01
